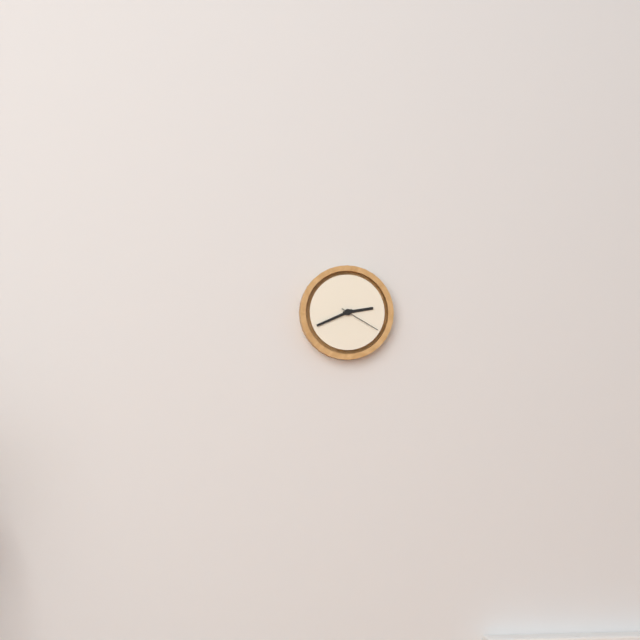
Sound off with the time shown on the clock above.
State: 2:41
